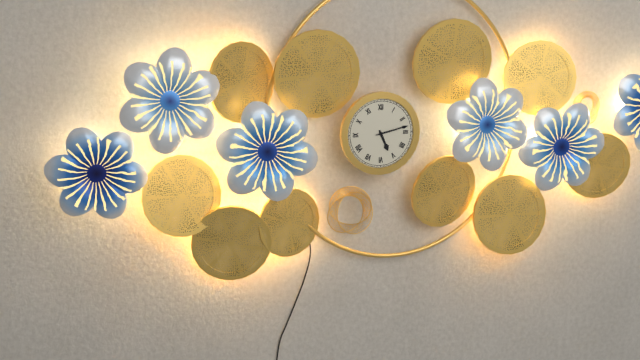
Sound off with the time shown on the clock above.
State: 5:13
